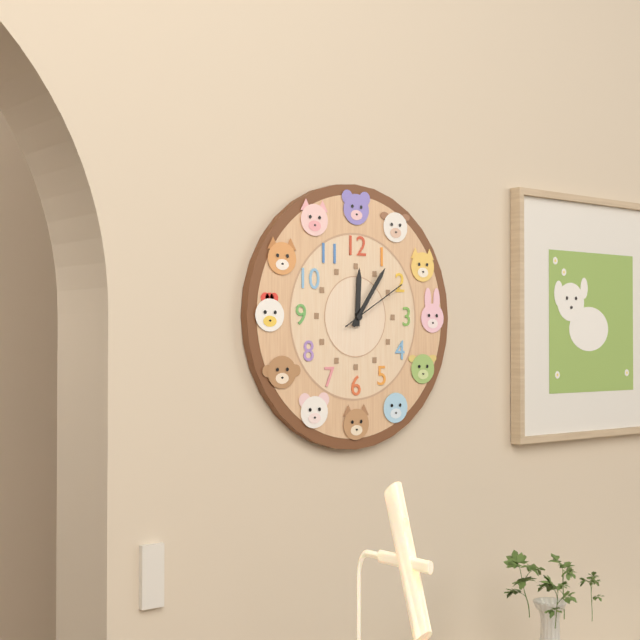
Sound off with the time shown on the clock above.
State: 12:06:10
